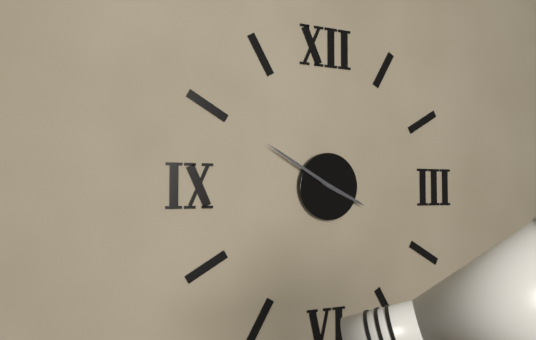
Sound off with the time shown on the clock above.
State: 3:50
